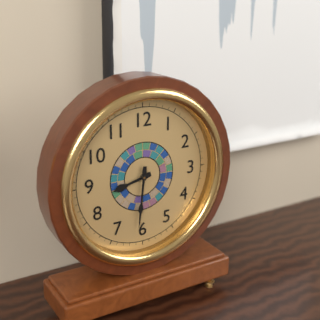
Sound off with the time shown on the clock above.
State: 8:31
